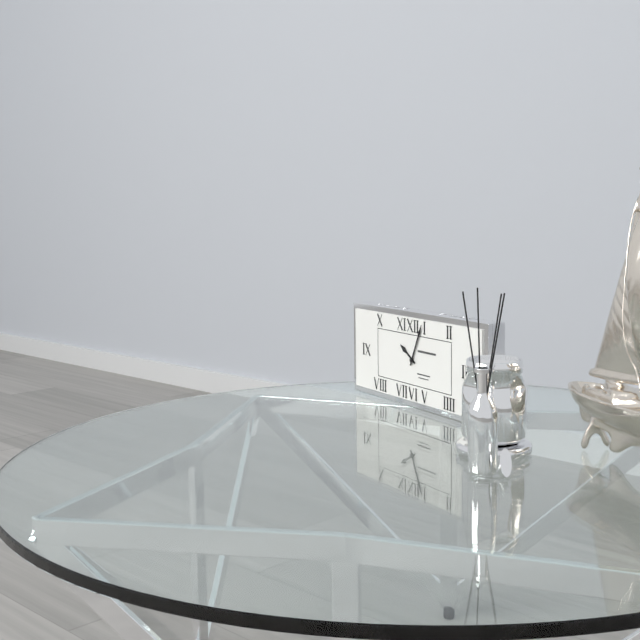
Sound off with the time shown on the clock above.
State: 10:04
